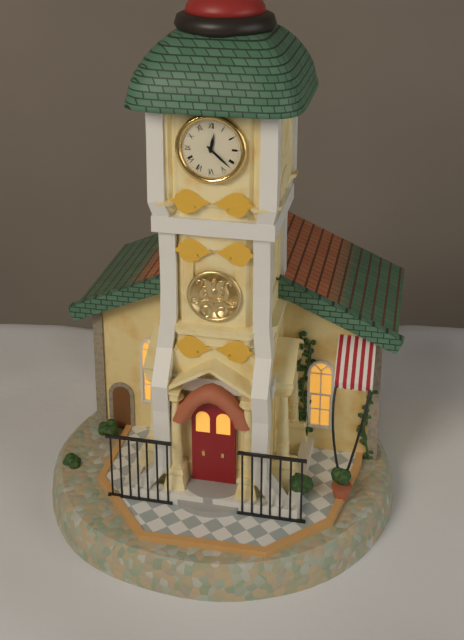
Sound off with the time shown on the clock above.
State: 12:22
